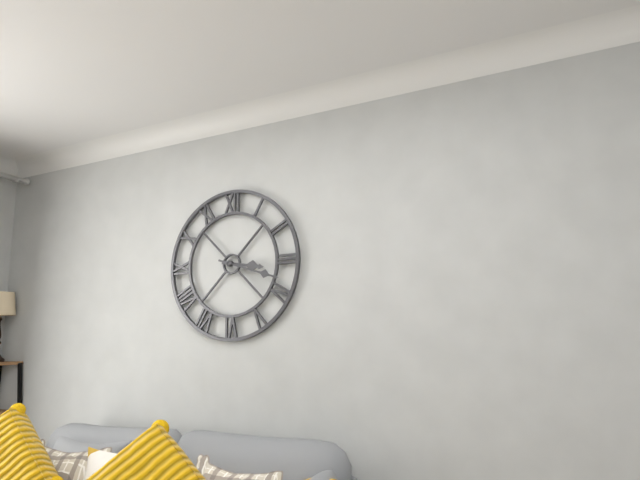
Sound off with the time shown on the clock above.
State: 3:18
